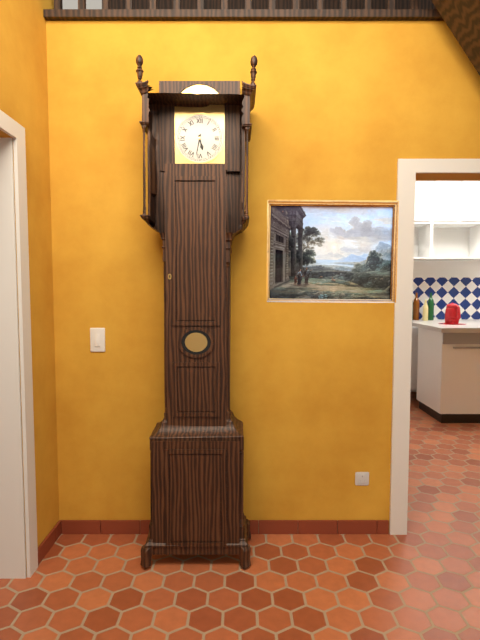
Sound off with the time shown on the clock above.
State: 5:32
